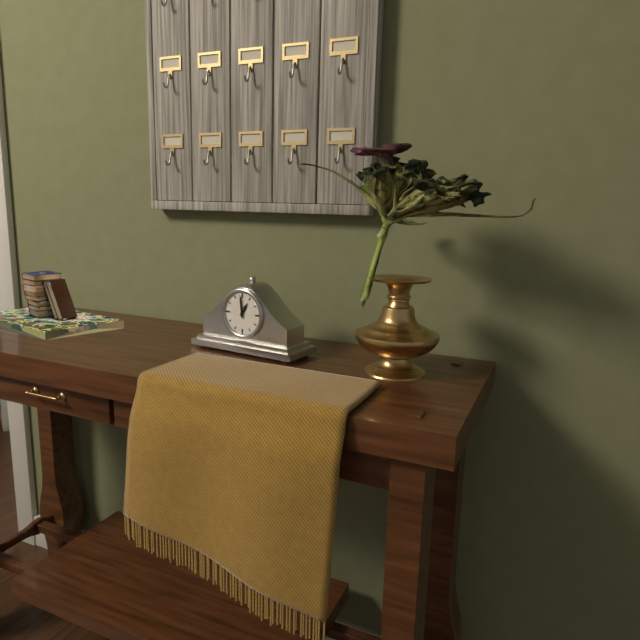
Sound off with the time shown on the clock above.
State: 12:59
